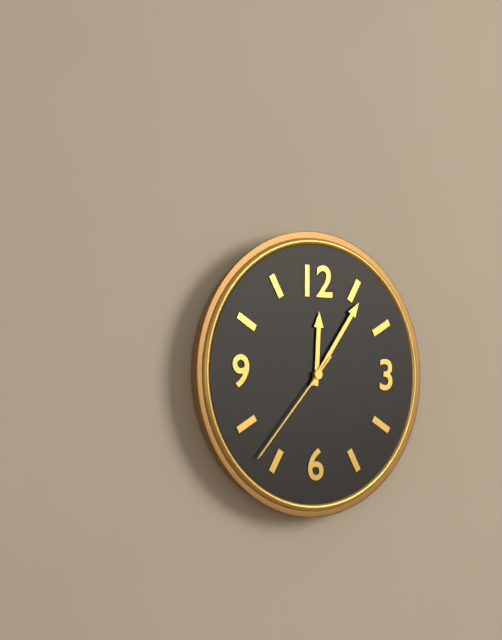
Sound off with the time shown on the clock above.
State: 12:06:37
